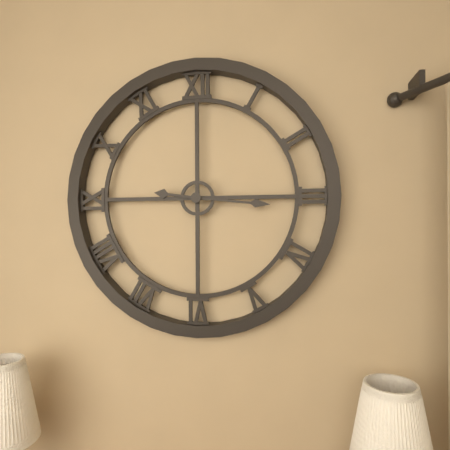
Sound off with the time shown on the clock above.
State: 9:16
